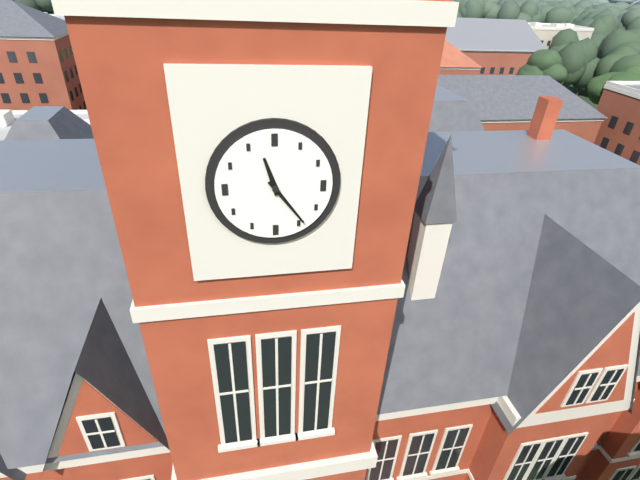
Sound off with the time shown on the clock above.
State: 11:24
